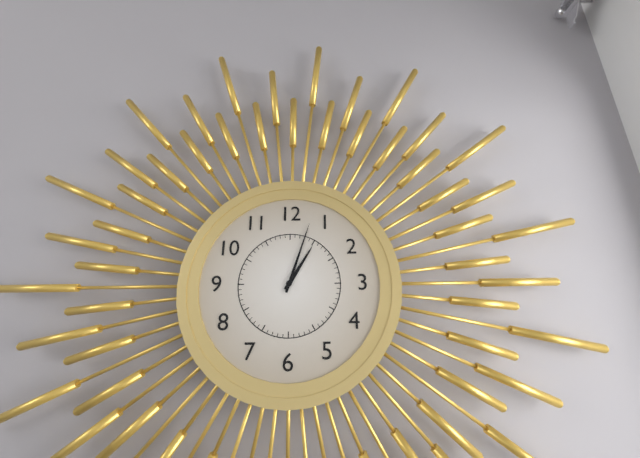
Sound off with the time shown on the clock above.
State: 1:03
